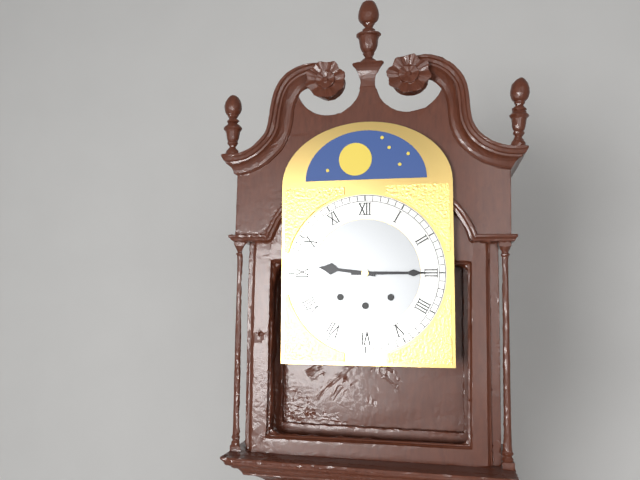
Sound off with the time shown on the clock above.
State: 9:15
